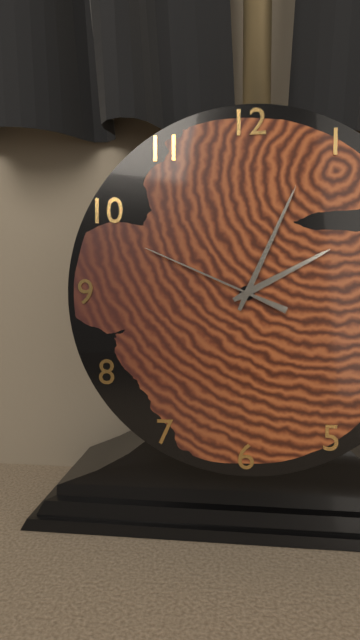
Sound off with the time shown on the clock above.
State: 2:04:49
